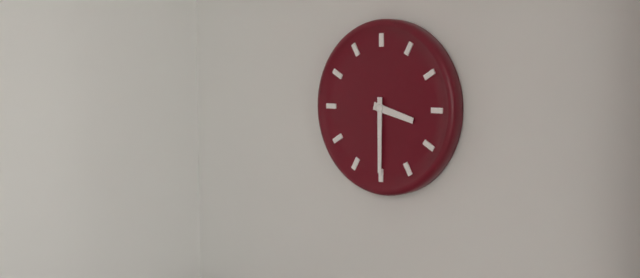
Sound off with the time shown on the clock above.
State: 3:30
